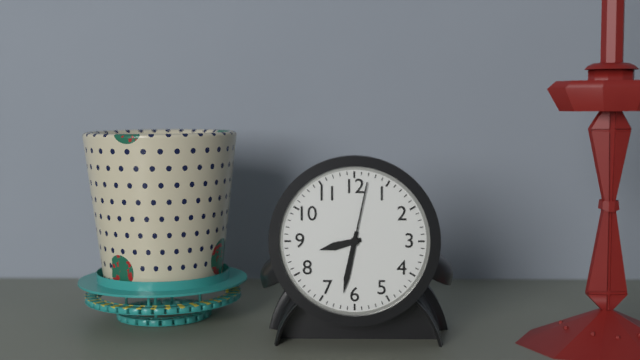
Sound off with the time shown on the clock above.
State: 8:32:02
